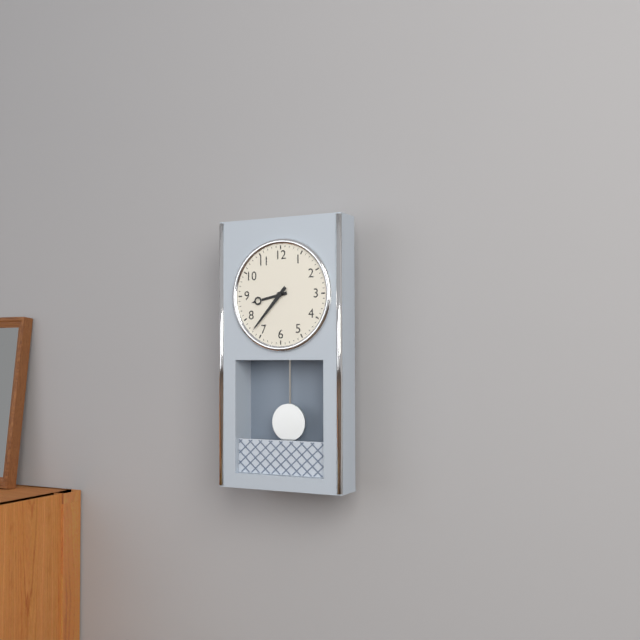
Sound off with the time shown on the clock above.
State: 8:37
